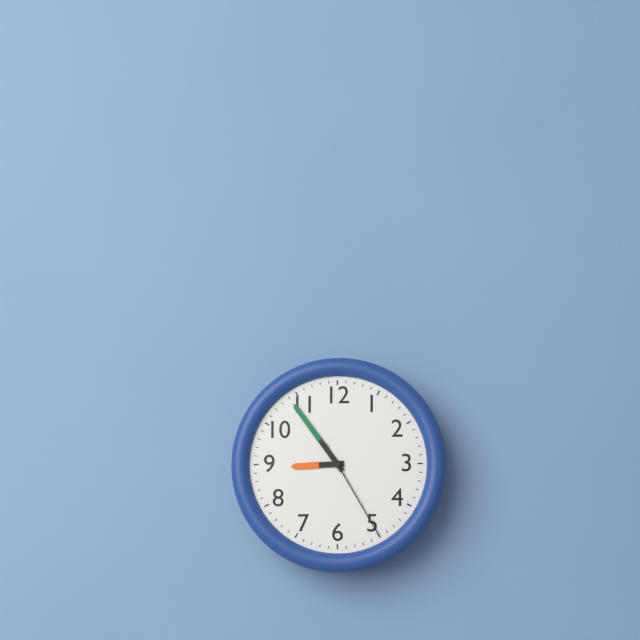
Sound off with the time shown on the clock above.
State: 8:54:25
